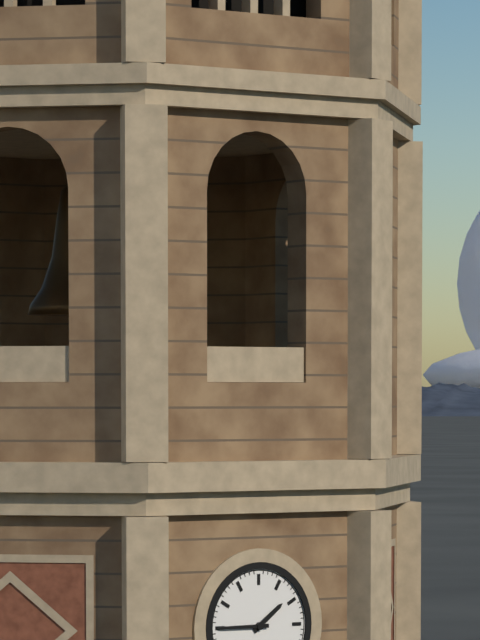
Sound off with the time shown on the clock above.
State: 1:45
